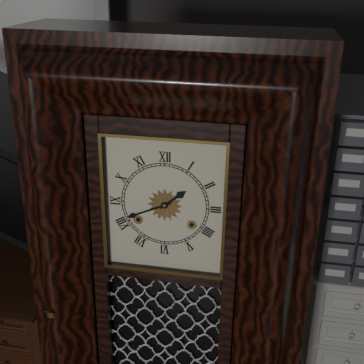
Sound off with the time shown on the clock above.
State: 1:41
